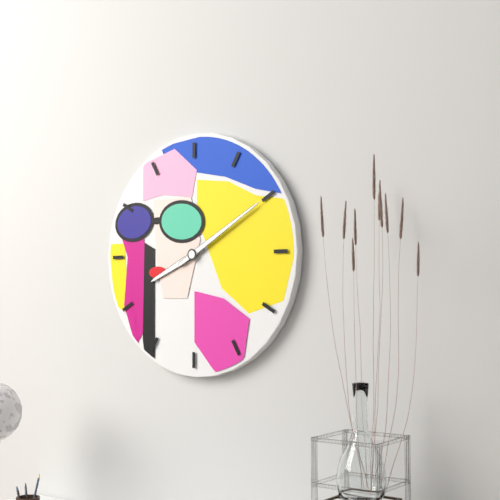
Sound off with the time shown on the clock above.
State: 8:10
